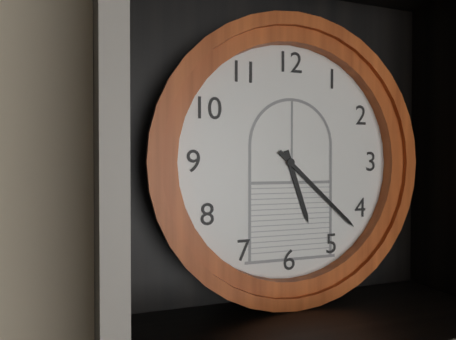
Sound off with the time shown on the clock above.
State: 5:22
